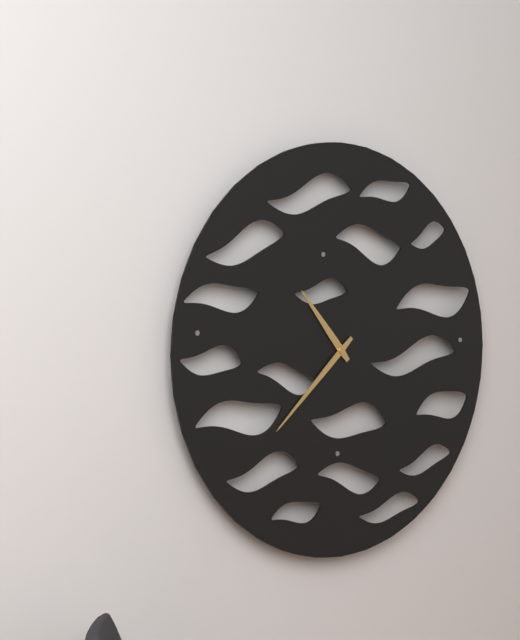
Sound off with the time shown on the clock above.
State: 10:38
